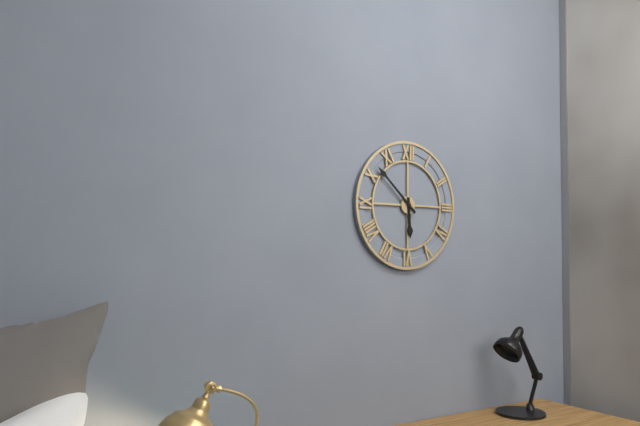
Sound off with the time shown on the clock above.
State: 5:52
